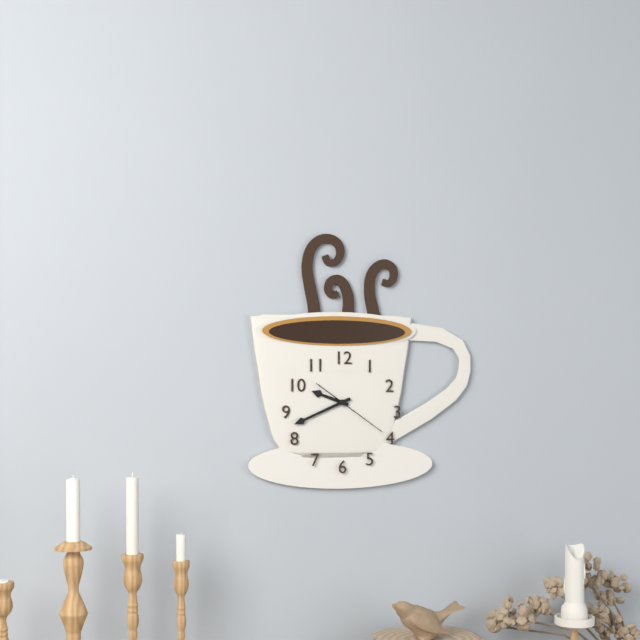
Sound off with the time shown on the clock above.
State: 9:41:21
